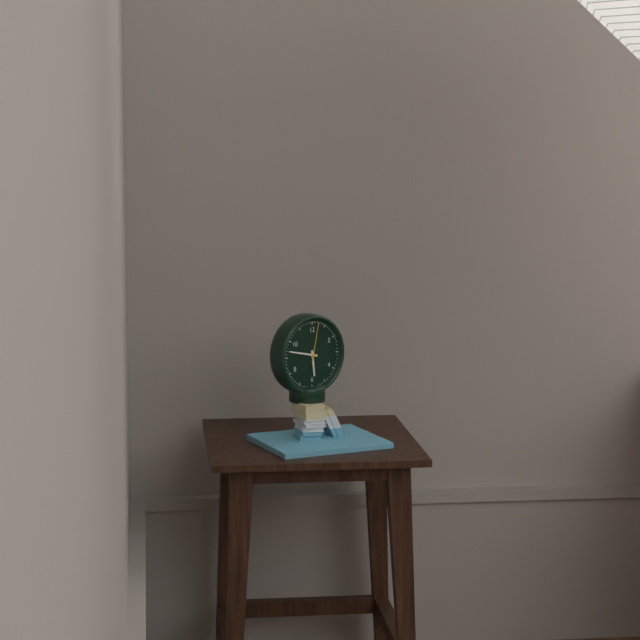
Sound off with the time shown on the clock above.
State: 5:47
